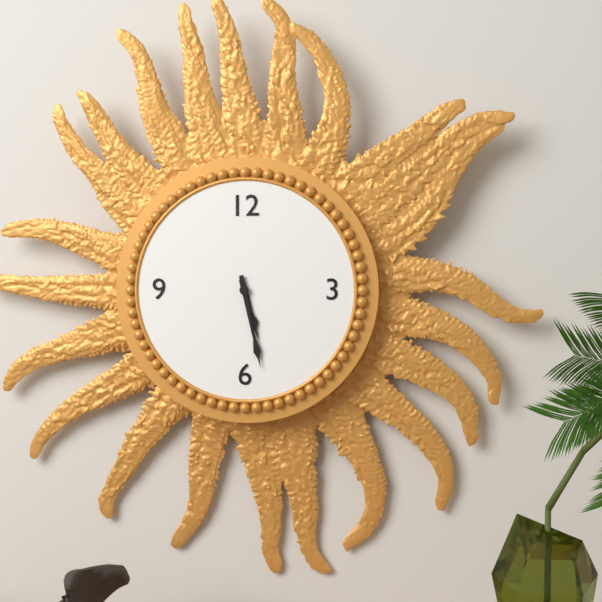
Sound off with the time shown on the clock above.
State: 5:28
